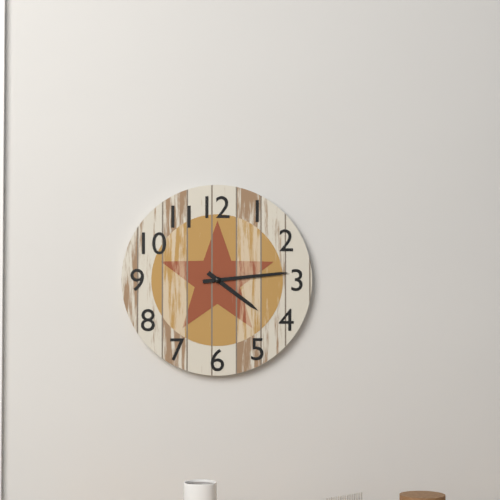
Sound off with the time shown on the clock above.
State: 4:14
